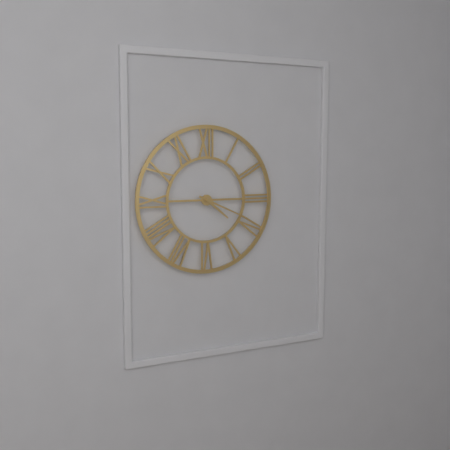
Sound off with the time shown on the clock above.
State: 4:19
